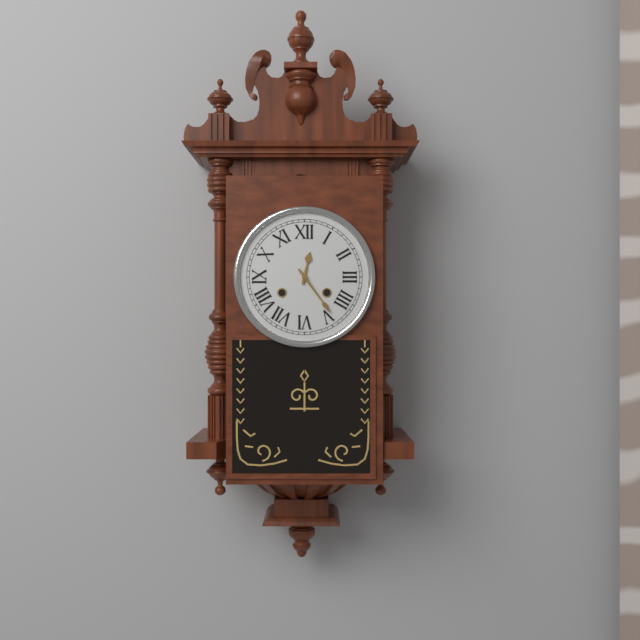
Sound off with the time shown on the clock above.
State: 12:24
